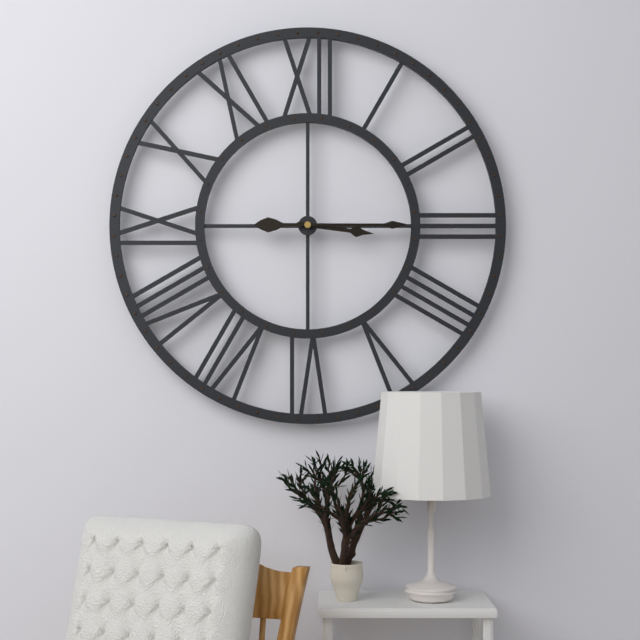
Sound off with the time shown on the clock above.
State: 3:15
